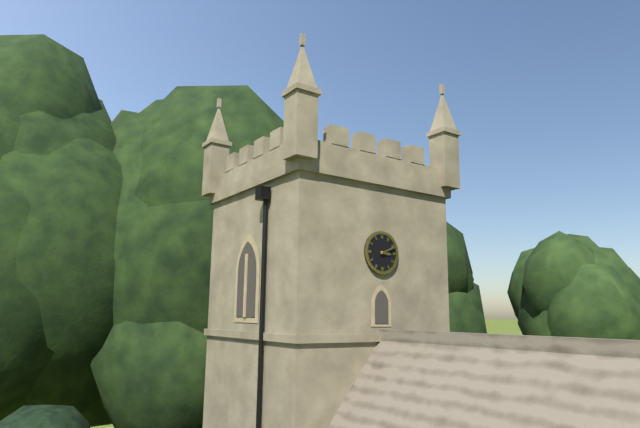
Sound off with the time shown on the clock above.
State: 3:11
